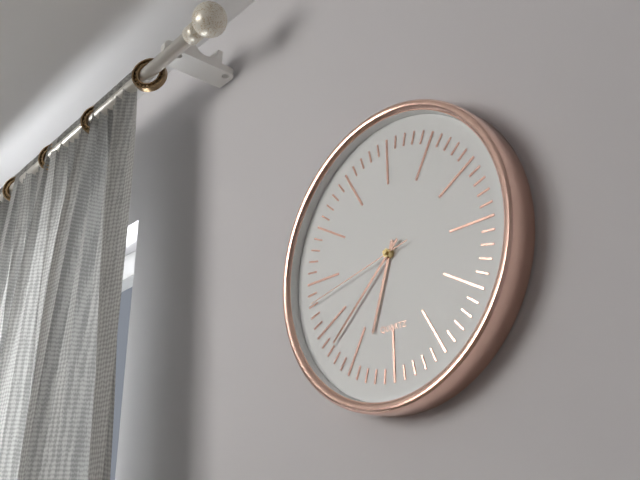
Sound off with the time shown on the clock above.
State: 6:38:43
